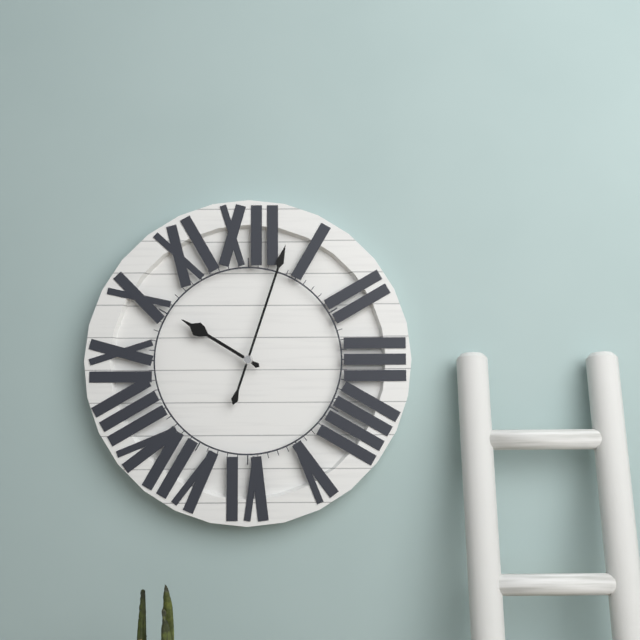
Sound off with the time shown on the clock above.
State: 10:03
